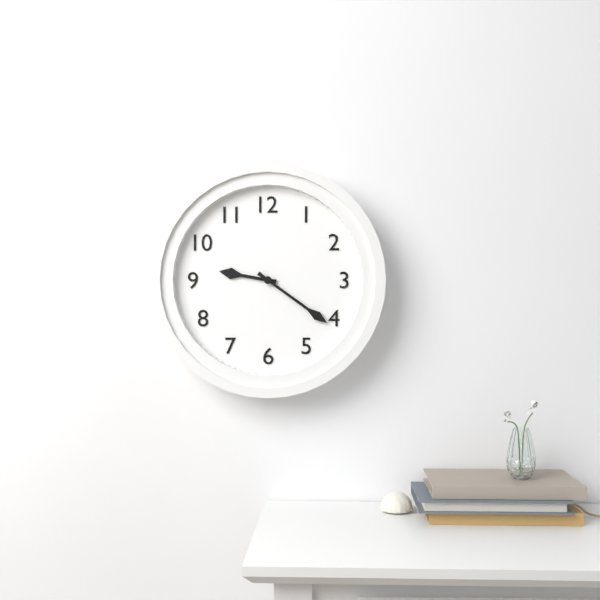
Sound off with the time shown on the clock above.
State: 9:21
